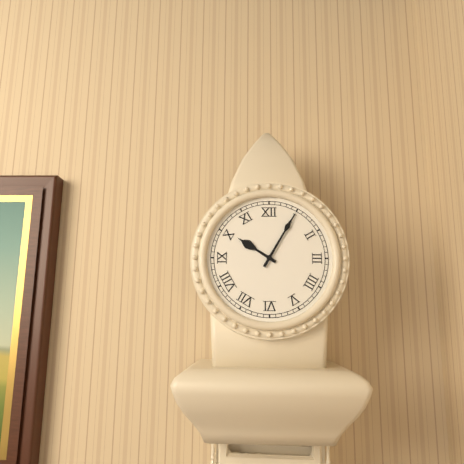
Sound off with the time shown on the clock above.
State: 10:05
